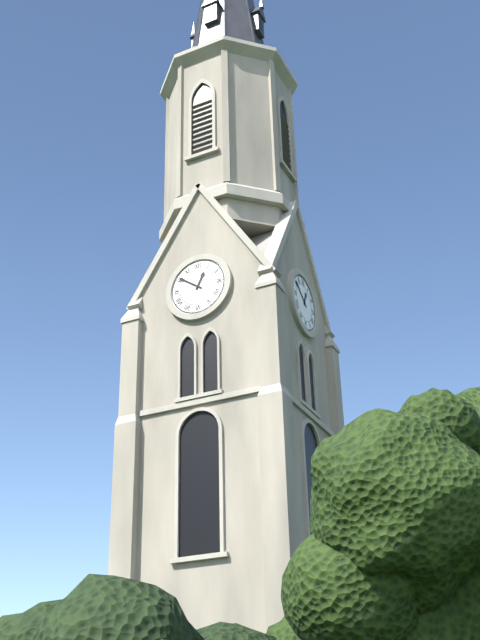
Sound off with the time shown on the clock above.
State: 12:51
